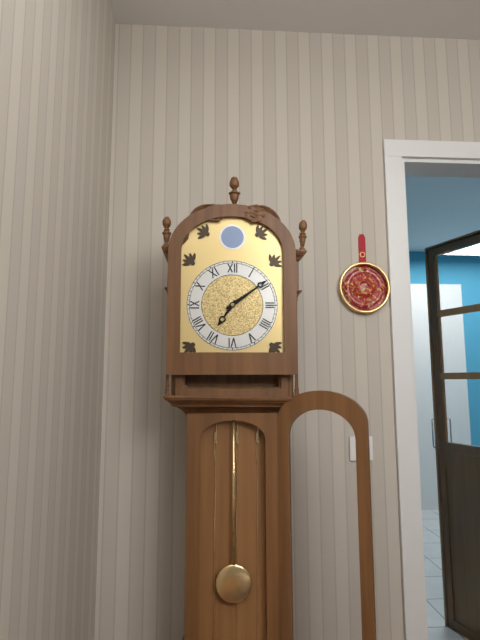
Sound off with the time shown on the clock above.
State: 7:09
